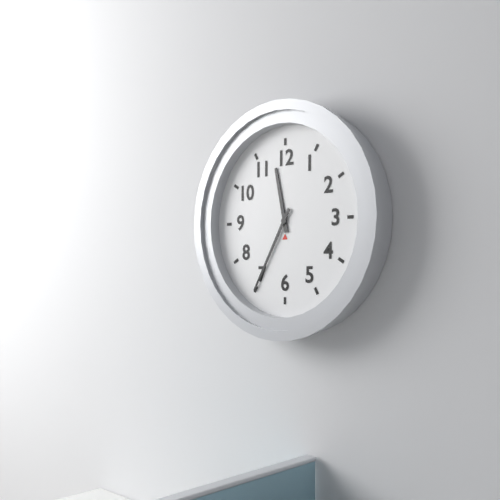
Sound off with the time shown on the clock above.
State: 11:35
